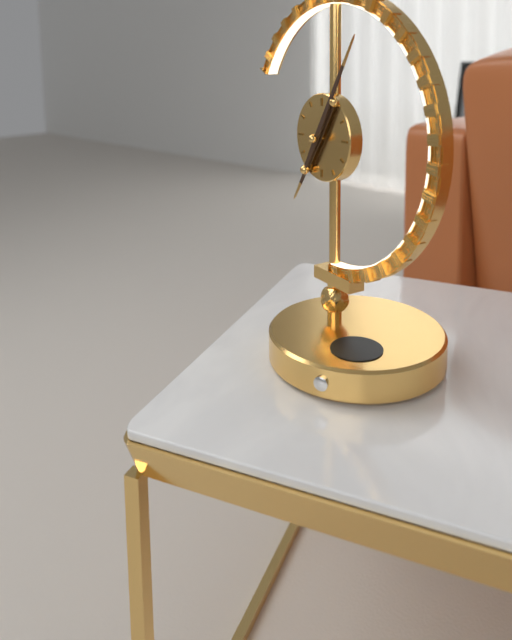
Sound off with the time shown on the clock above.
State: 7:05
